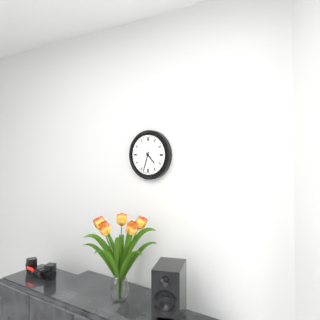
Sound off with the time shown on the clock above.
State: 4:33
